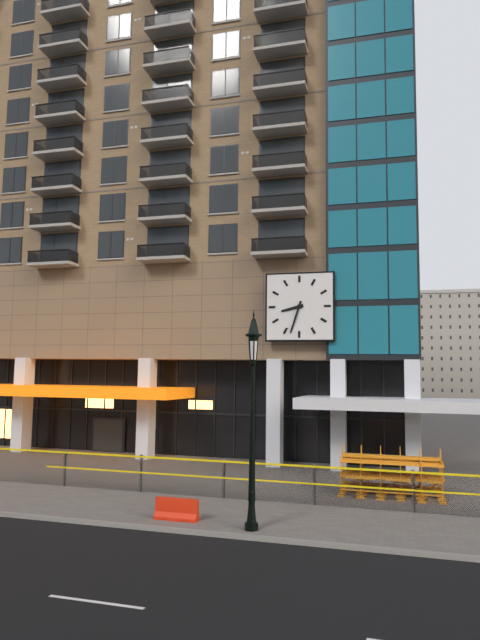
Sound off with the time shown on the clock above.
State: 8:33
